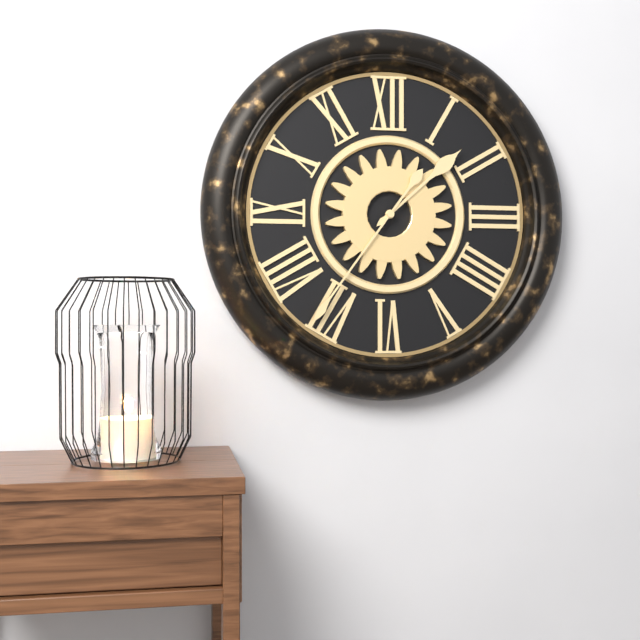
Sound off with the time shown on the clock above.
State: 1:36
